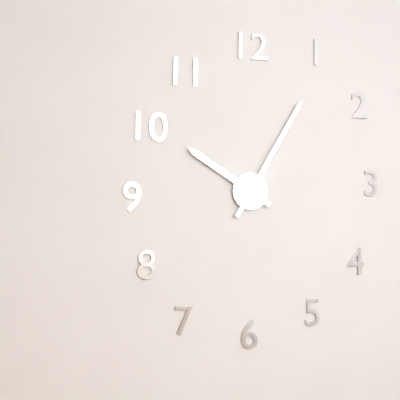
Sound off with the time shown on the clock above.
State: 10:05
